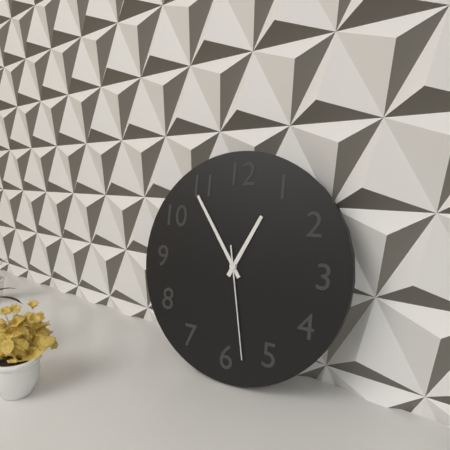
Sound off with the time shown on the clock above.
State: 12:54:28
